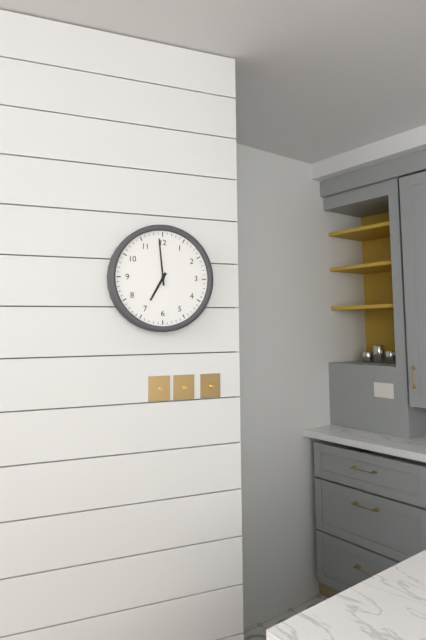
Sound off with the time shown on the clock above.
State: 6:59
